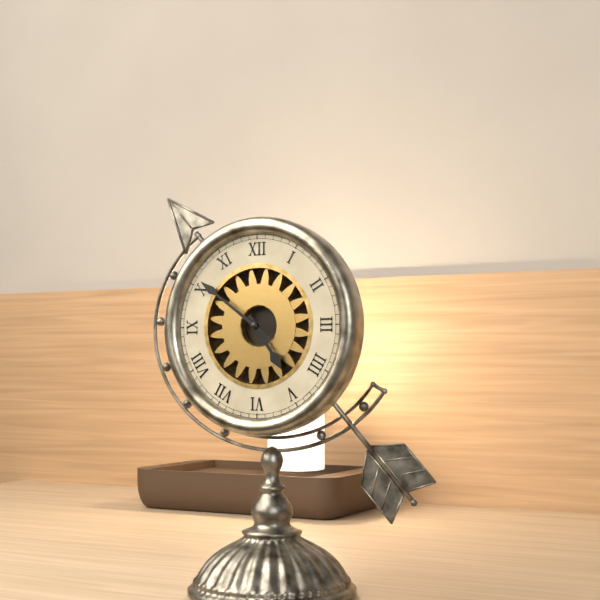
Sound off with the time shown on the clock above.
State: 4:51
